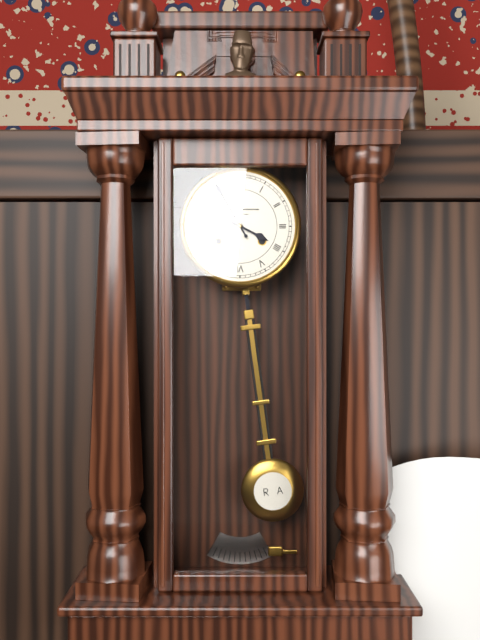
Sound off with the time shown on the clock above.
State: 3:55
